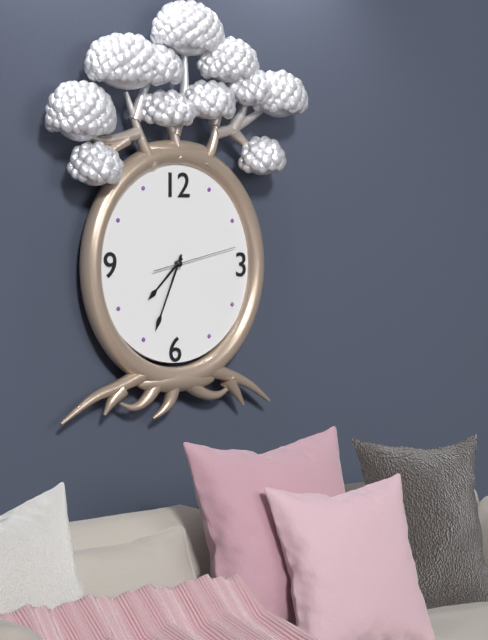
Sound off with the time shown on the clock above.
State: 7:34:13
